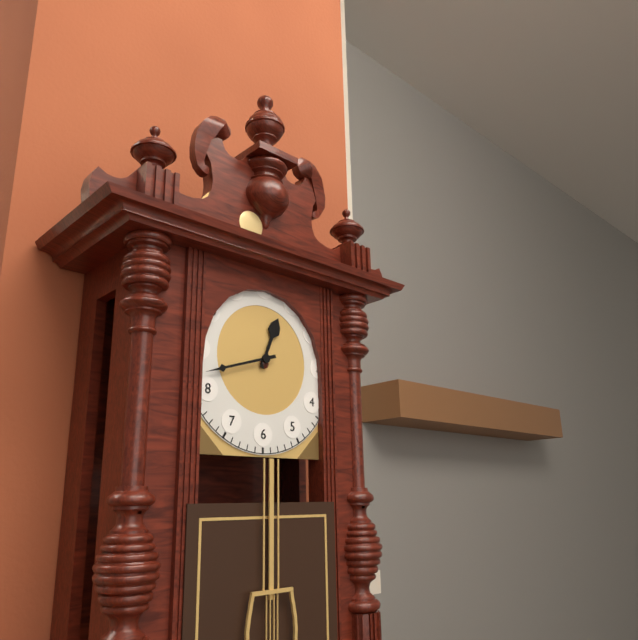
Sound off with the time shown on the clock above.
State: 12:42
